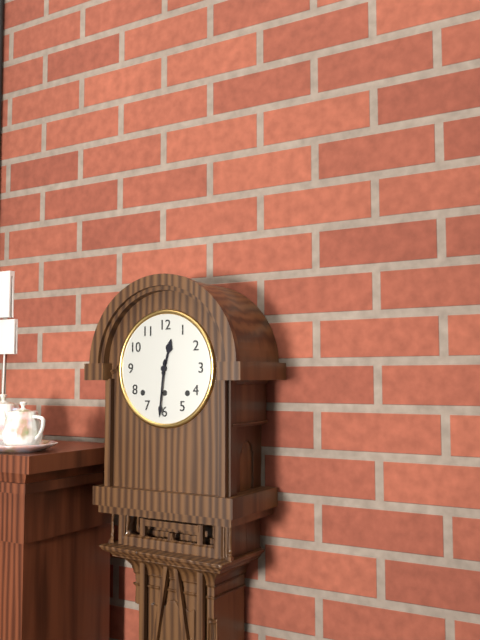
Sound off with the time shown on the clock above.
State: 12:31
